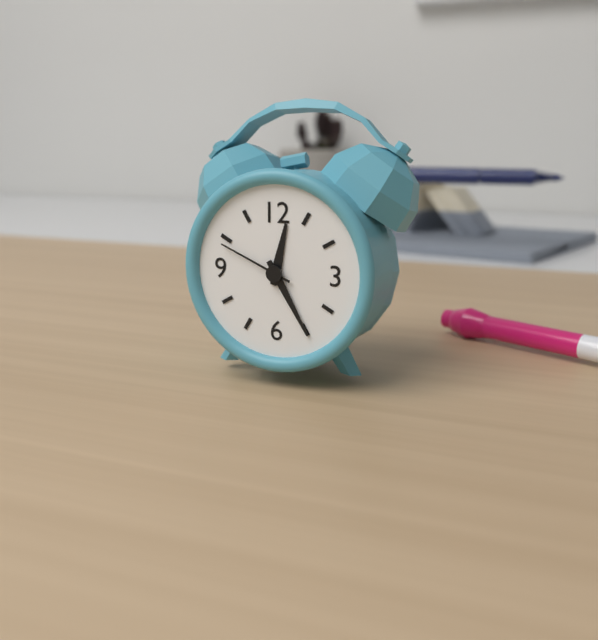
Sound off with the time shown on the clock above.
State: 12:25:49
